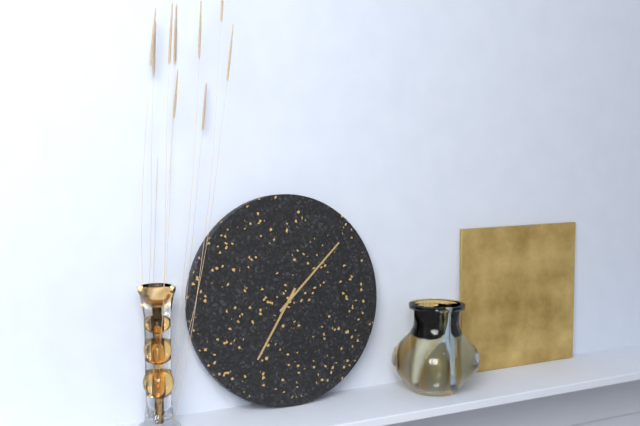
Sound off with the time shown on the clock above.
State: 7:08
